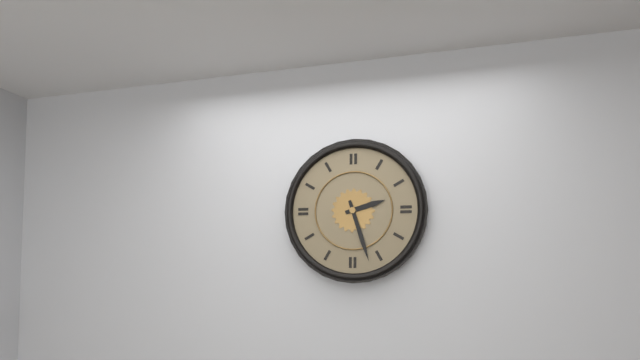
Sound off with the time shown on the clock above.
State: 2:27
